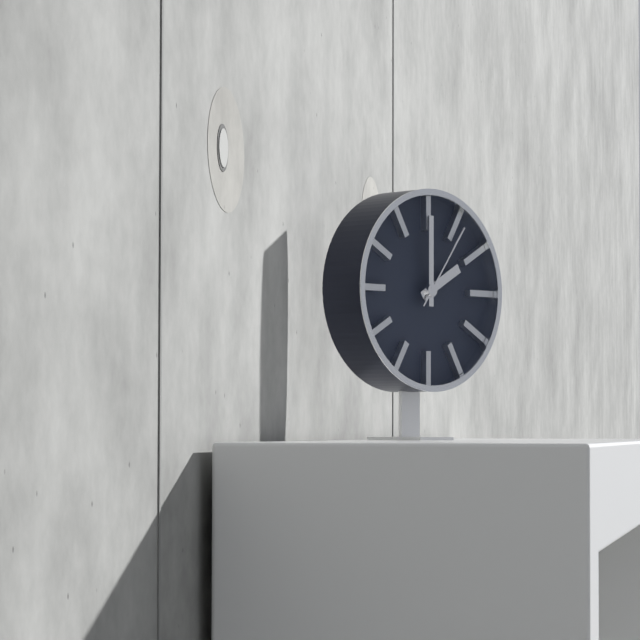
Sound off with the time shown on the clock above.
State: 2:00:06
